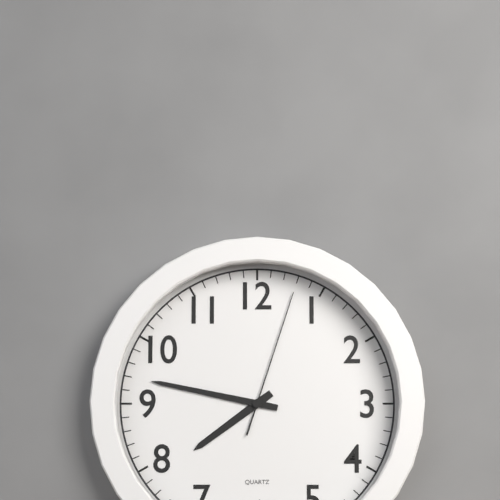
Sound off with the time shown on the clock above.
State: 7:47:03
